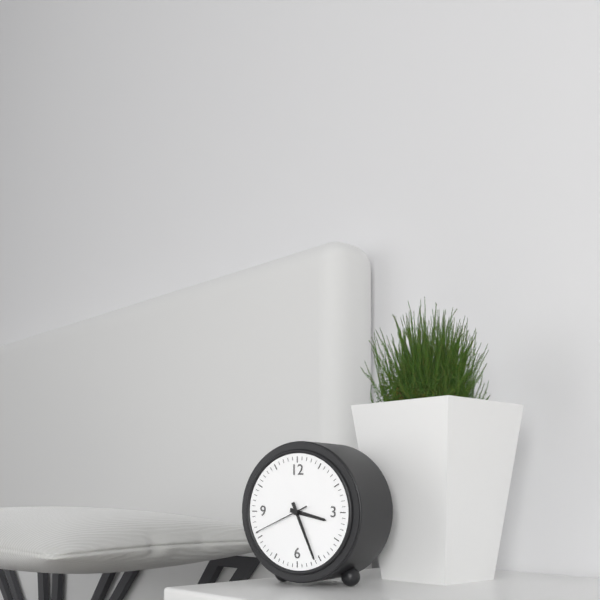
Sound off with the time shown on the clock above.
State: 3:26:41
